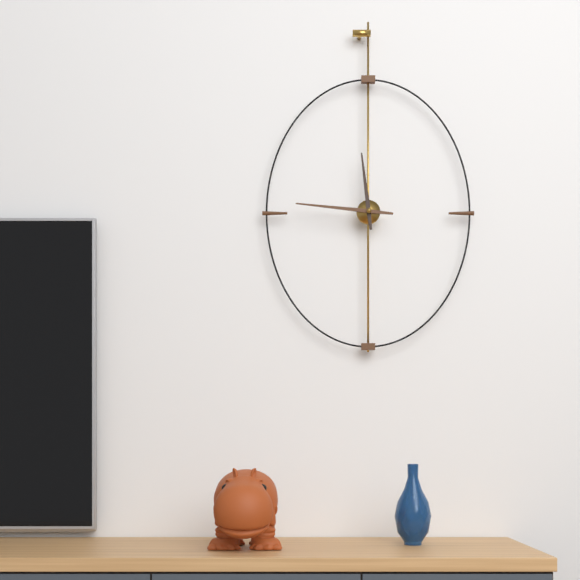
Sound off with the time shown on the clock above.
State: 11:46
